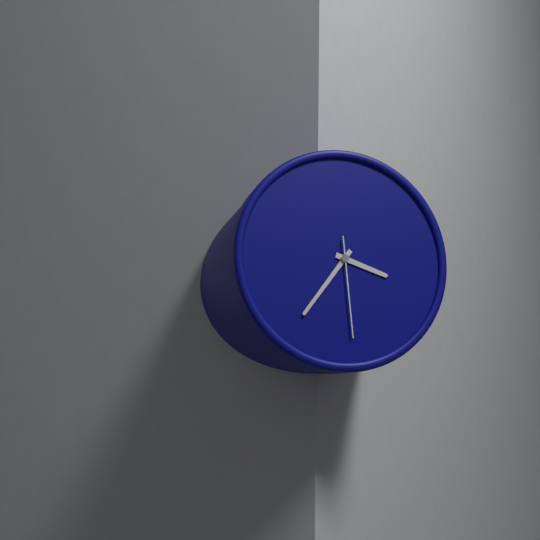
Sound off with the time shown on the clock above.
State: 3:36:29
